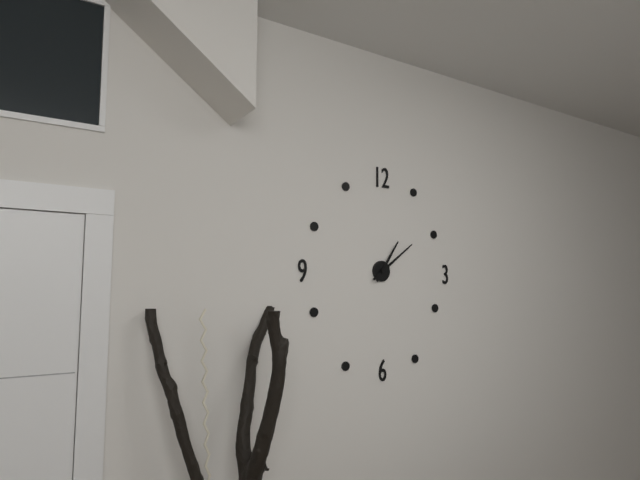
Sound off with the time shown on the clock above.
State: 1:09
